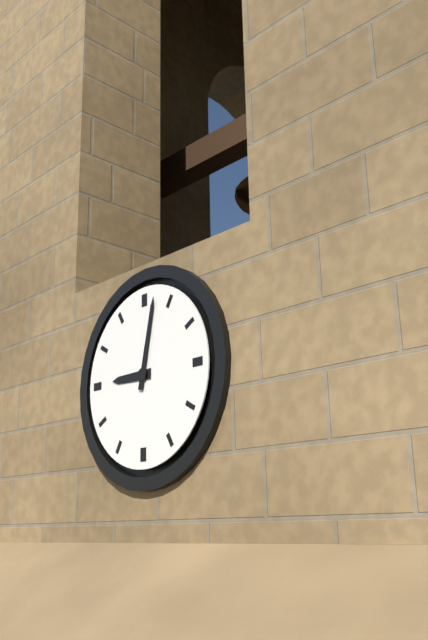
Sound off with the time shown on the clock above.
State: 9:02
